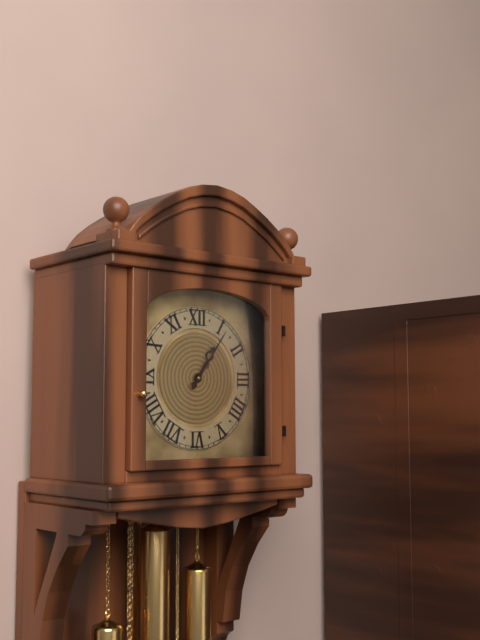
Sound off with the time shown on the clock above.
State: 1:06
